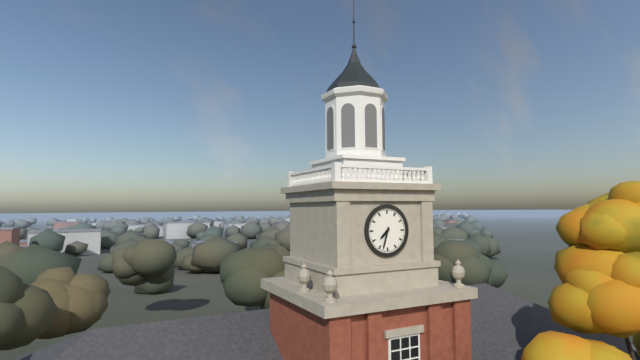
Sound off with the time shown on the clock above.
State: 7:33
